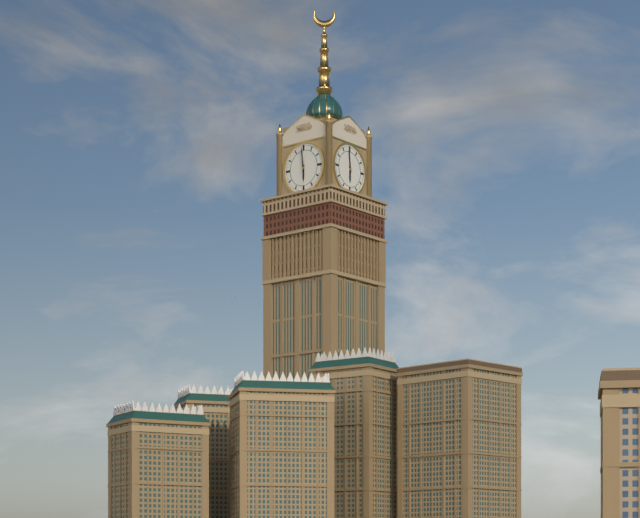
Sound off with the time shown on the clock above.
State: 5:59
